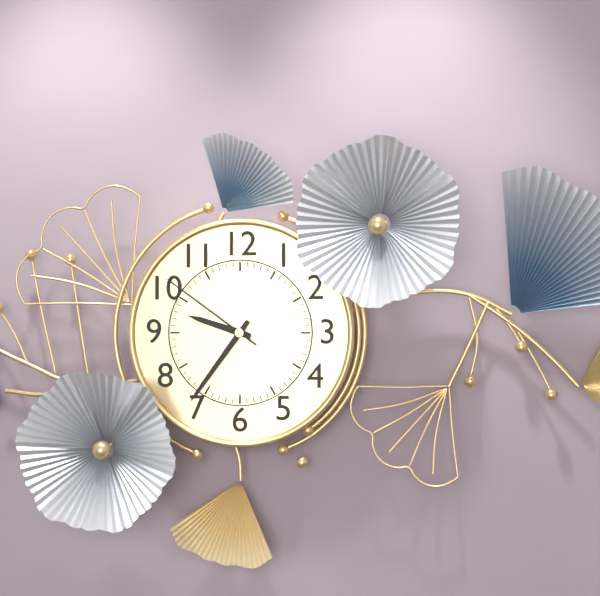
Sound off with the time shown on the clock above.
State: 9:36:51
